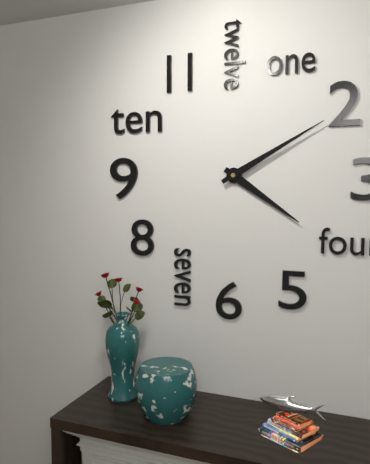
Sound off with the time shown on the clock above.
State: 4:10
